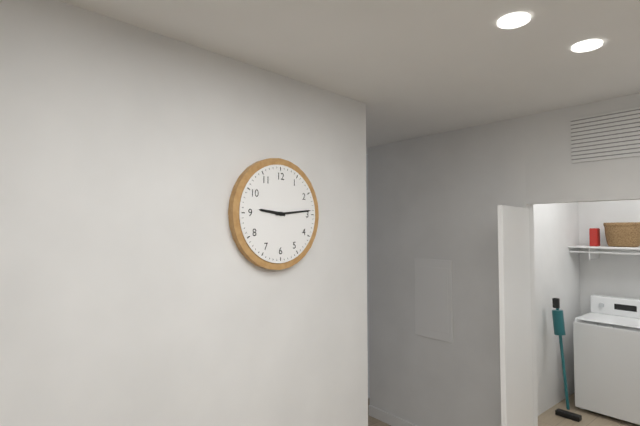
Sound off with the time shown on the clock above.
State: 9:14
